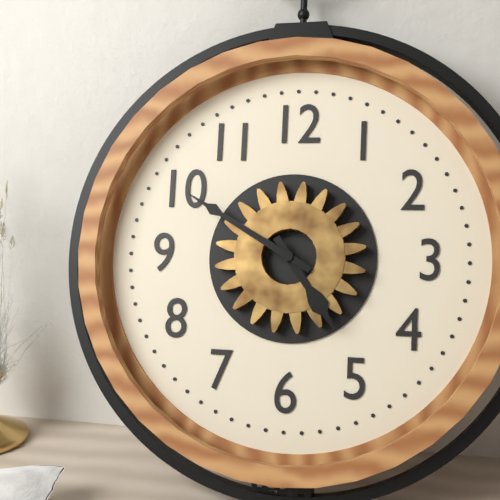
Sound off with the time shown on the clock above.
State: 4:50
